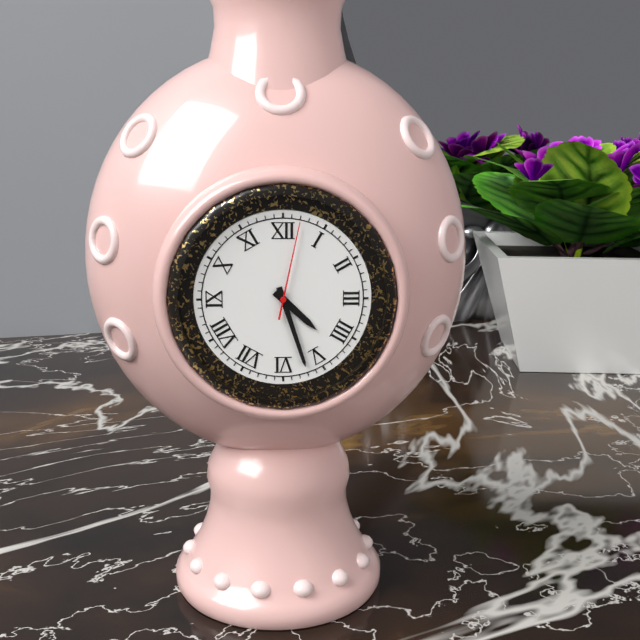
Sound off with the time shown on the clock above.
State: 4:27:02
